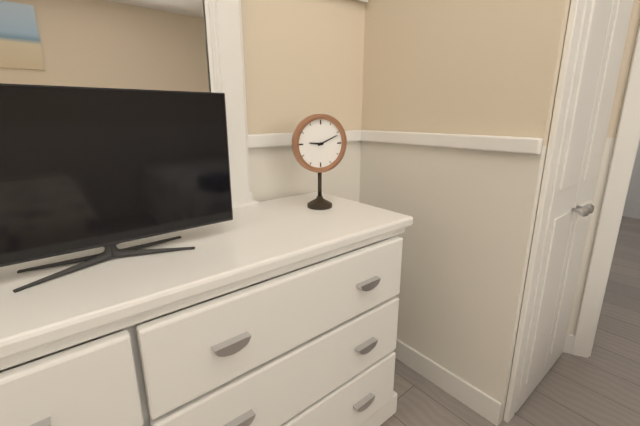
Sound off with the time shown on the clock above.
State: 9:11
